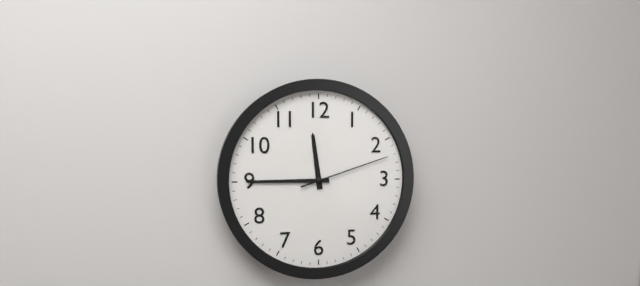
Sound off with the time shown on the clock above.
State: 11:45:12
